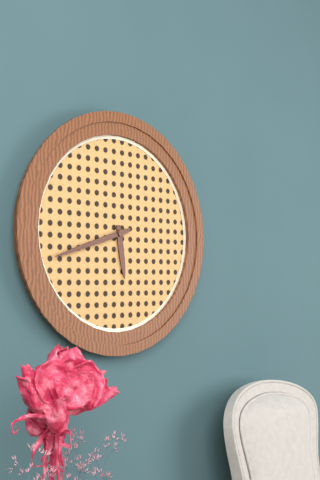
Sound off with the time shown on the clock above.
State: 5:42
